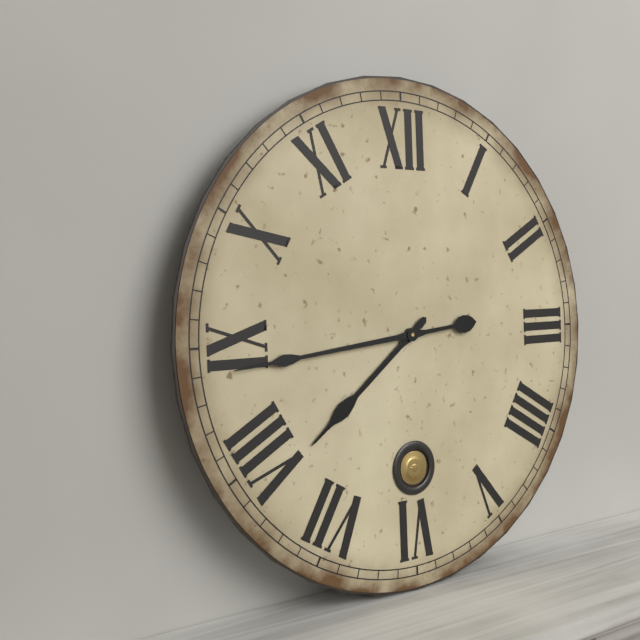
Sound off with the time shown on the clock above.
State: 7:44
